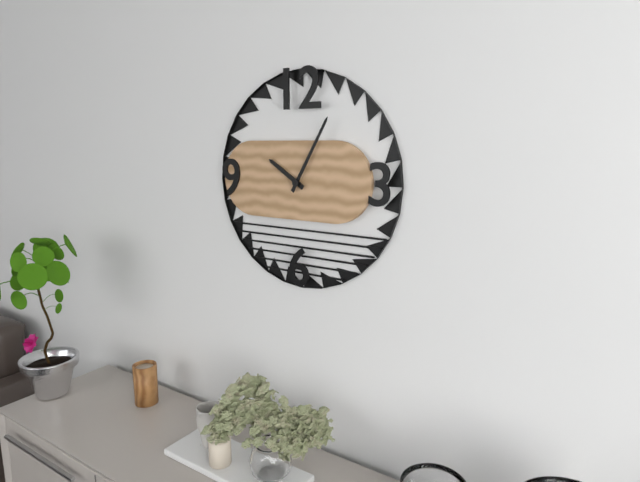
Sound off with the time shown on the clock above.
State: 10:05
